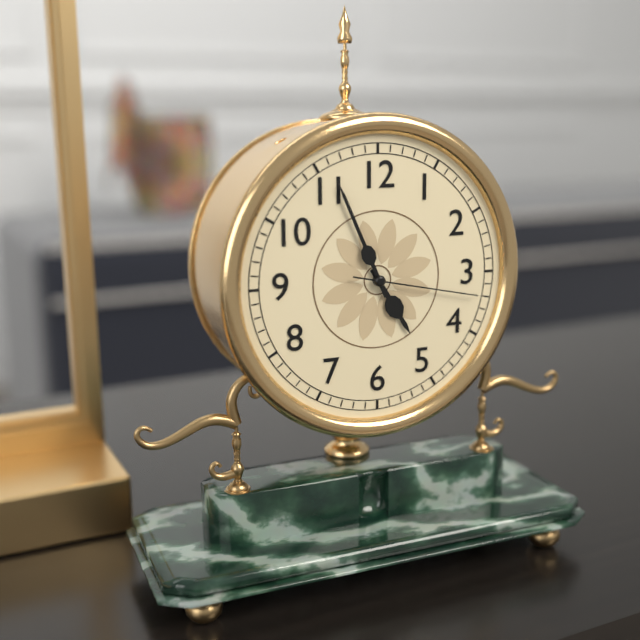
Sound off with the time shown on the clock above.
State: 4:56:17
